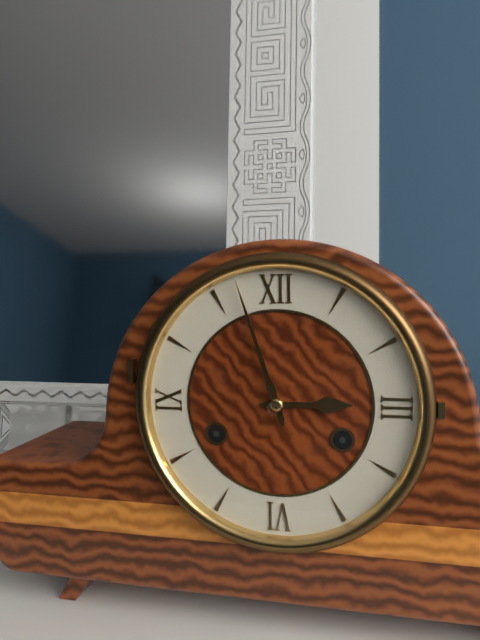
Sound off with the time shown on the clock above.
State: 2:57
